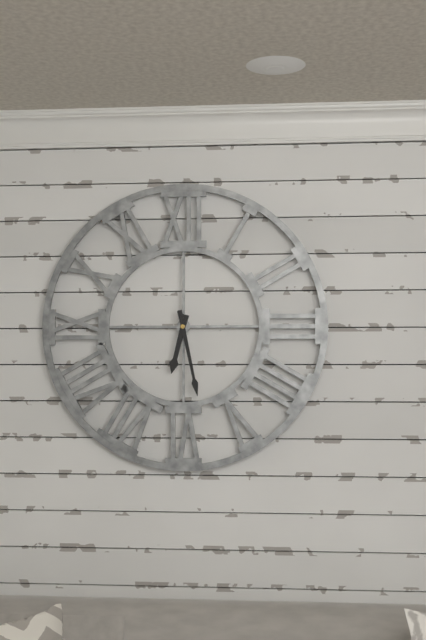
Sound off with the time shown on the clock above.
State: 6:28
